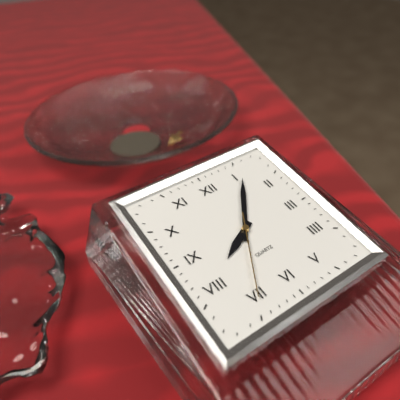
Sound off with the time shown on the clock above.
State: 8:06:35
